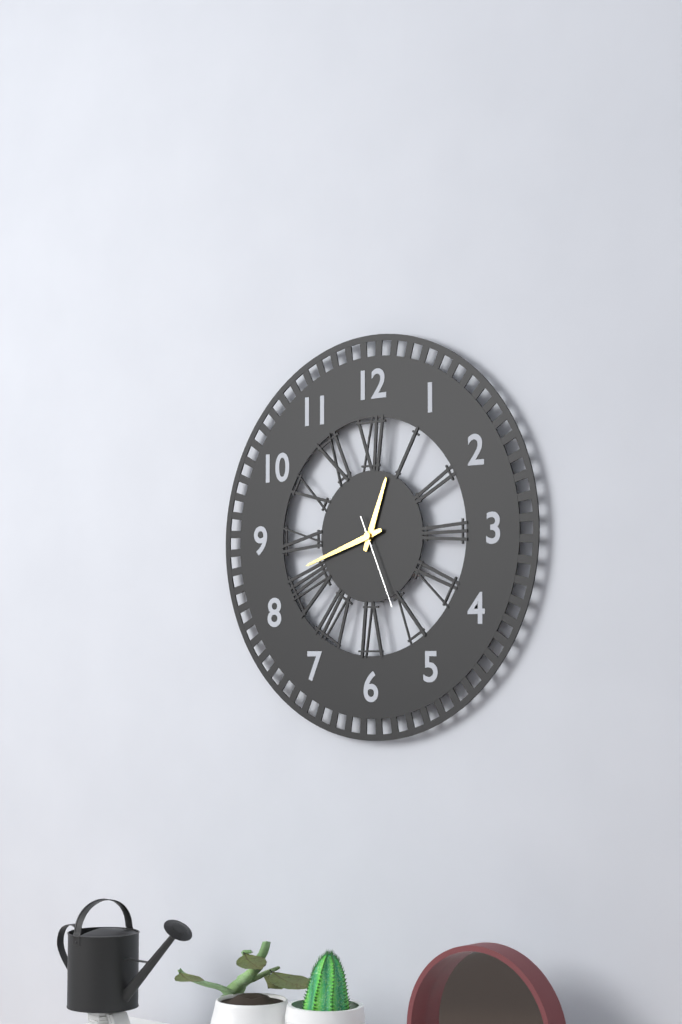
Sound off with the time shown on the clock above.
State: 12:42:26
